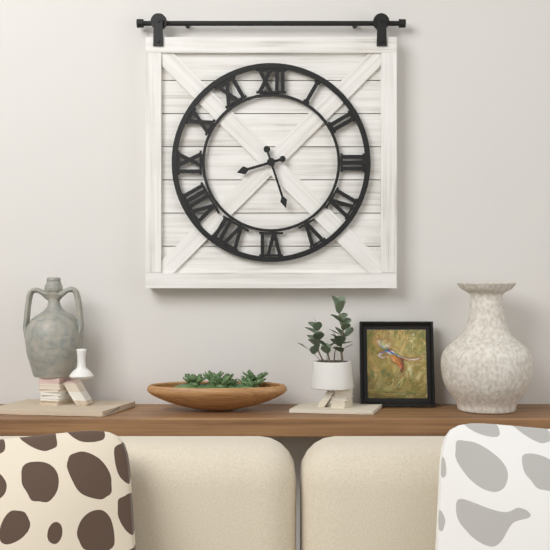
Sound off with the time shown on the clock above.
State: 8:27
